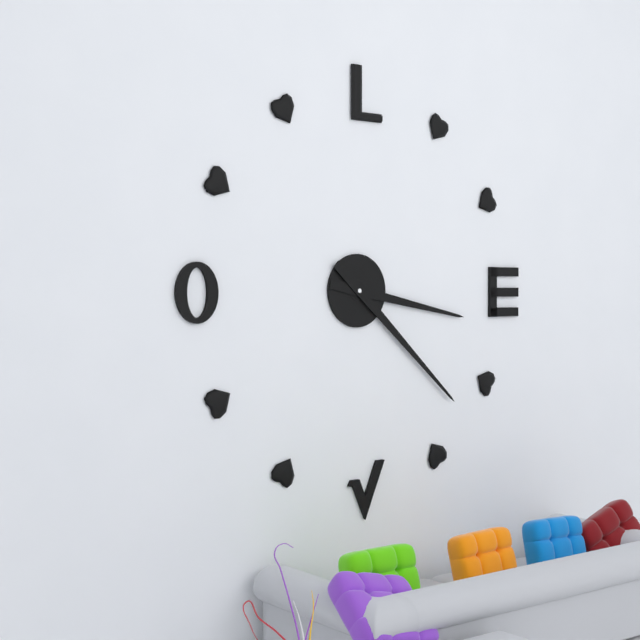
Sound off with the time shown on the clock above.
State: 3:22
